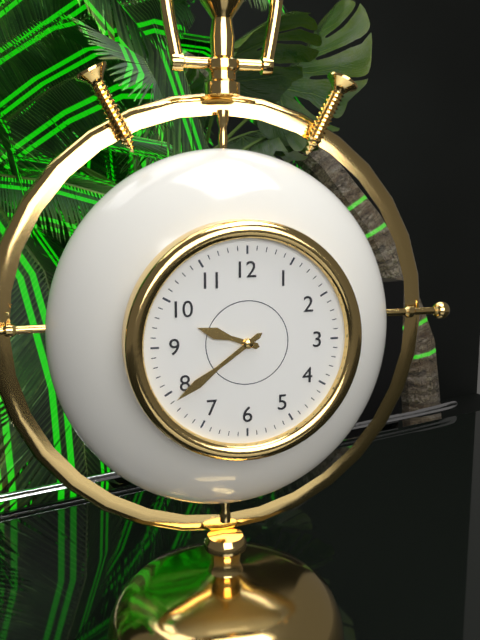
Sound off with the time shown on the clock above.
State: 9:39
